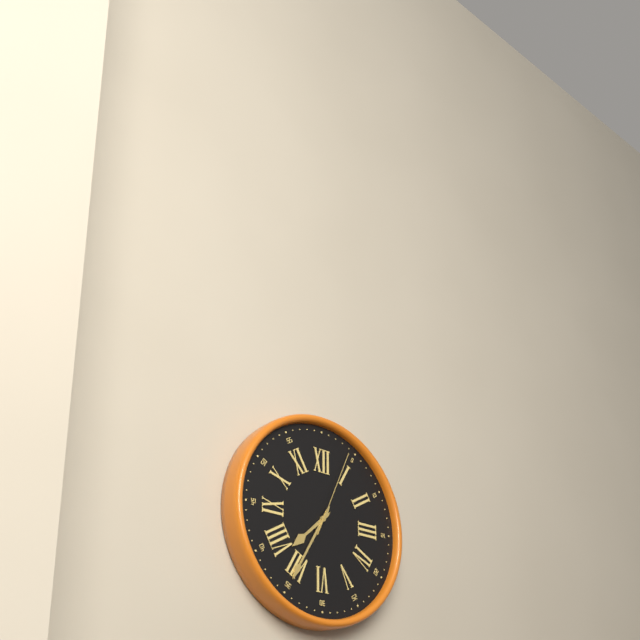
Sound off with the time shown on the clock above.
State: 7:35:04
